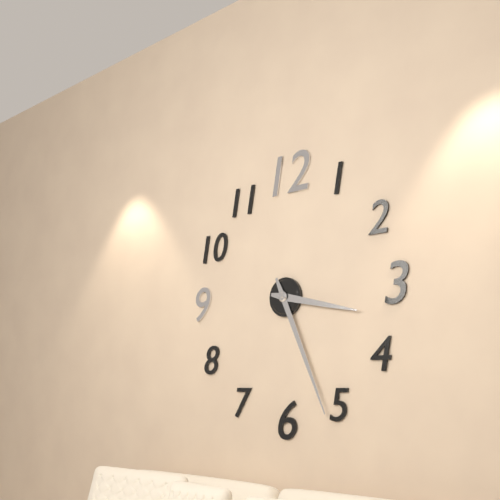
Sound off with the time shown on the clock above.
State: 3:26
